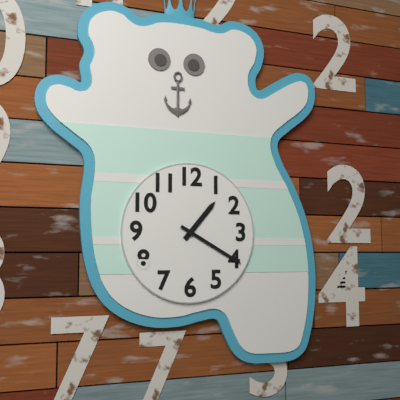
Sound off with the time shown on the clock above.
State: 1:20
